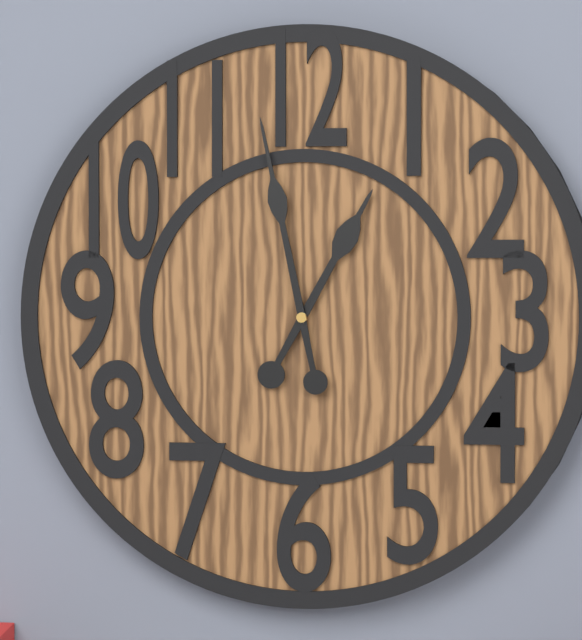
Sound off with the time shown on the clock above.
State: 12:58
